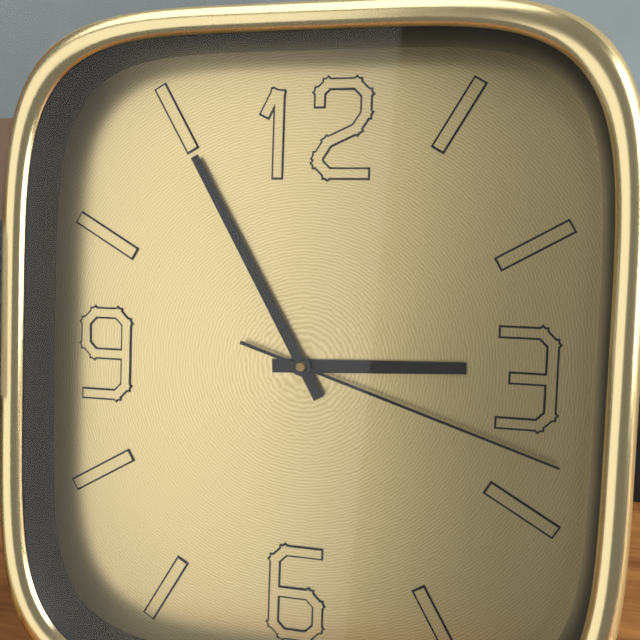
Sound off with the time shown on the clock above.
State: 2:55:18
